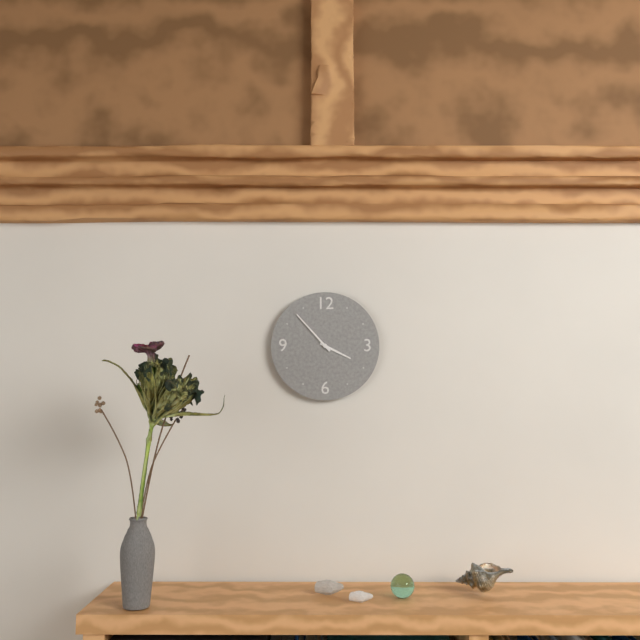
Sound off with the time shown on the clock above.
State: 3:53
